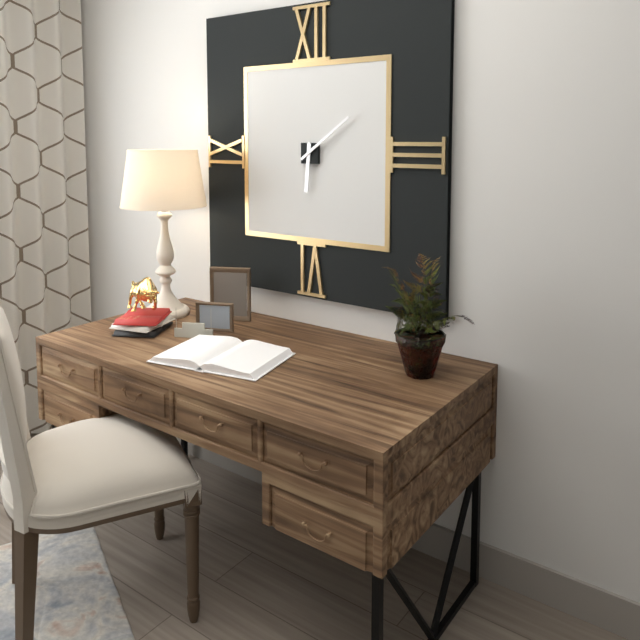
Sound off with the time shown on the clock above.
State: 6:09
